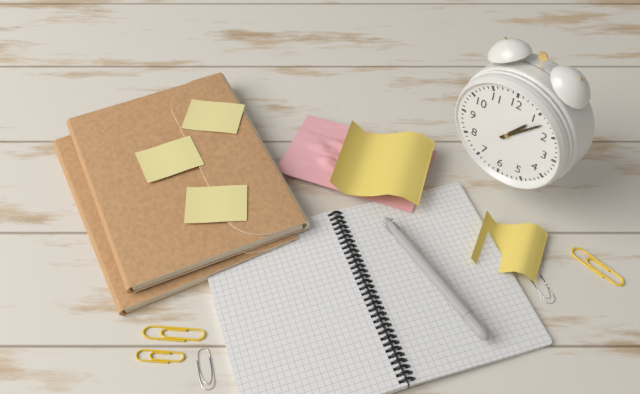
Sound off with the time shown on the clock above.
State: 1:07
